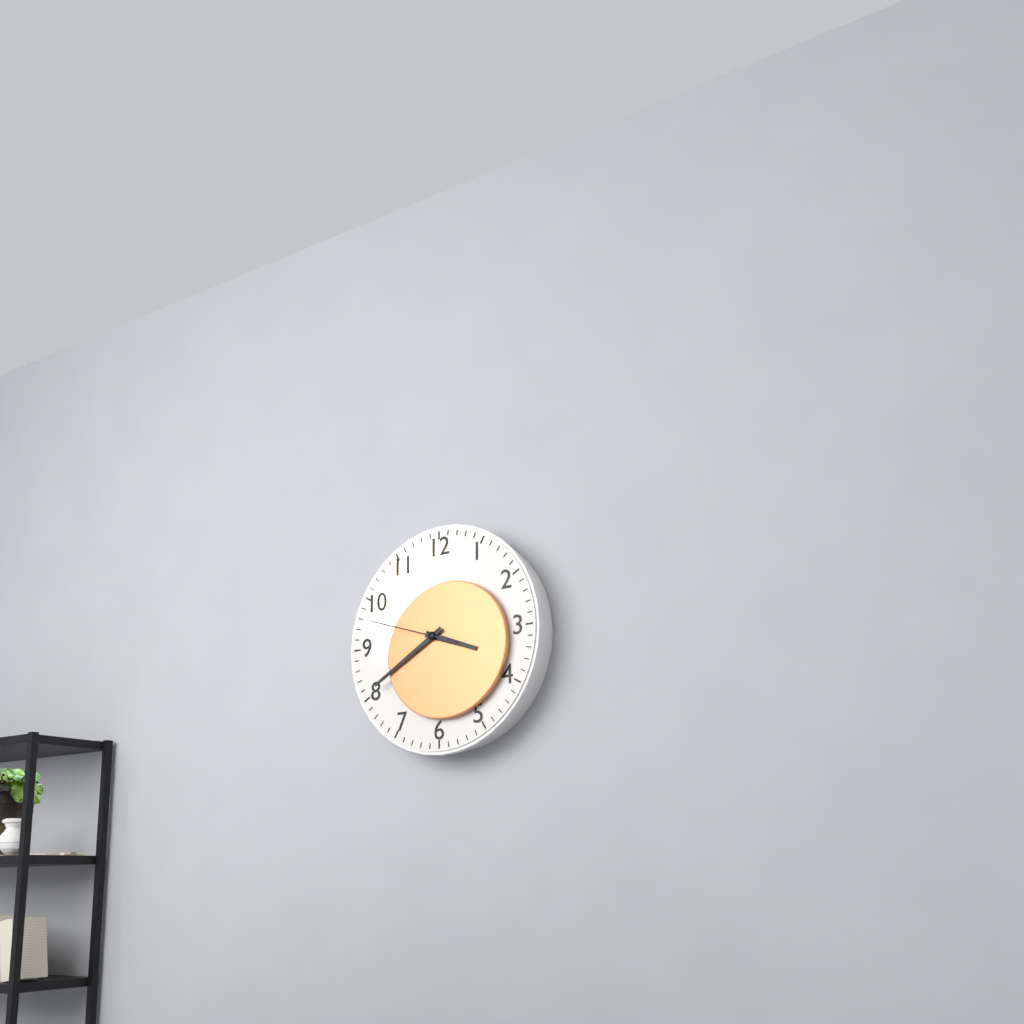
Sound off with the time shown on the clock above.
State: 3:40:48
